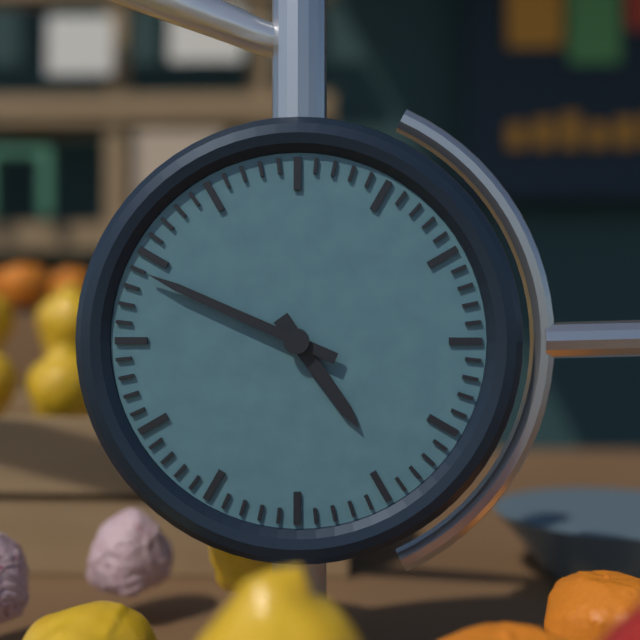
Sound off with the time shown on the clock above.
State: 4:49
